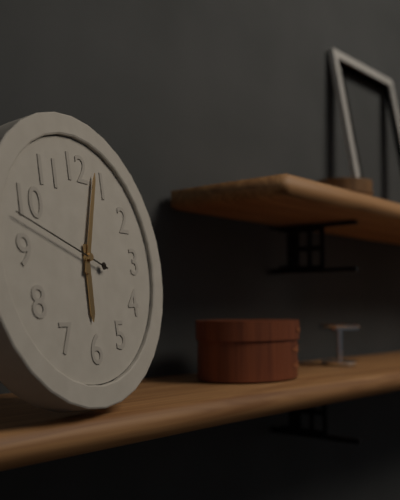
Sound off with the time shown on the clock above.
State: 6:03:48
